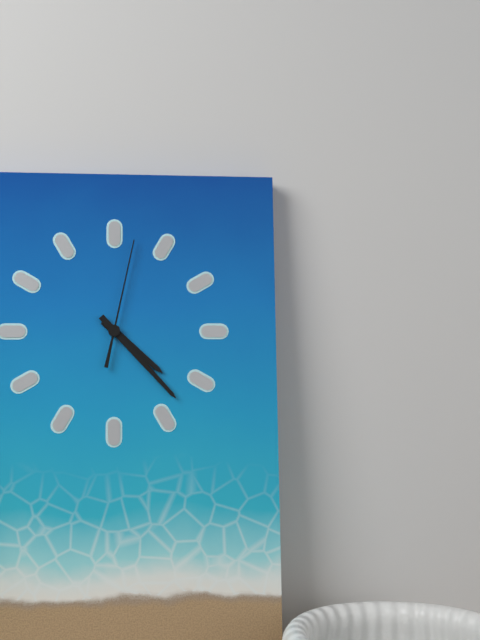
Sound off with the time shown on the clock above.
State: 4:23:02
